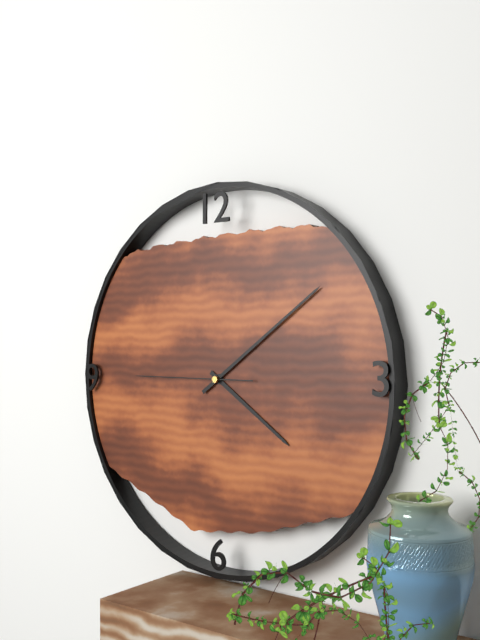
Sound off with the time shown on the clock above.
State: 4:09:45
